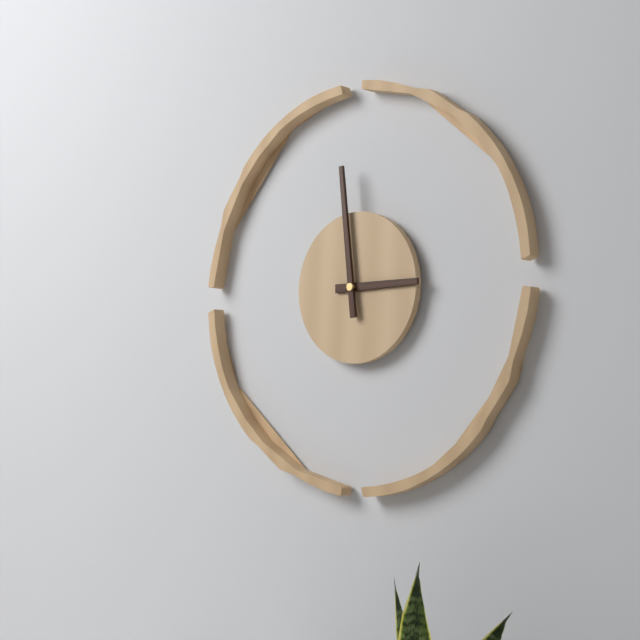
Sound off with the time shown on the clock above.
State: 2:59
